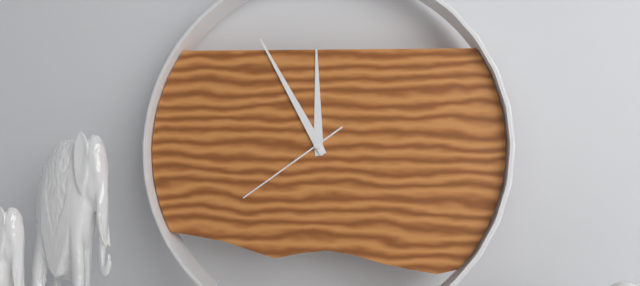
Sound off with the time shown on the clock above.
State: 11:55:39
